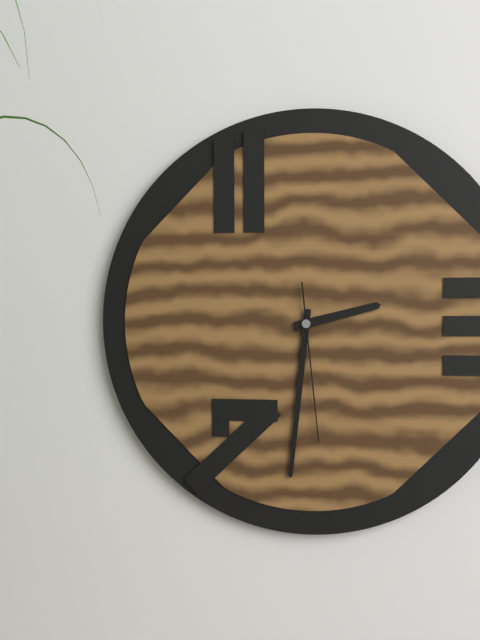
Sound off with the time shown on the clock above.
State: 2:31:29
